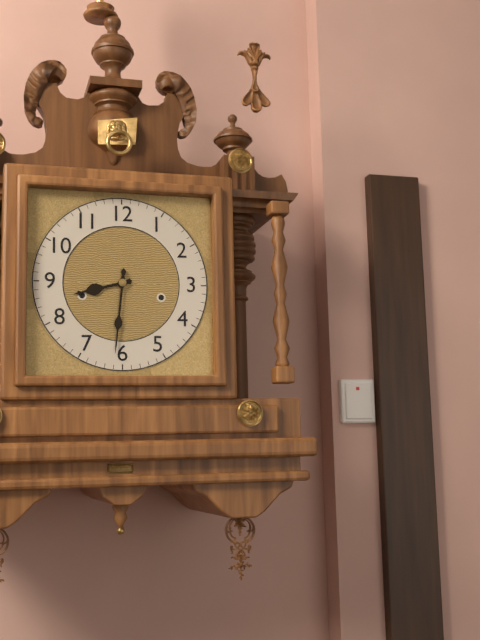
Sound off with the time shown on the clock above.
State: 8:31
